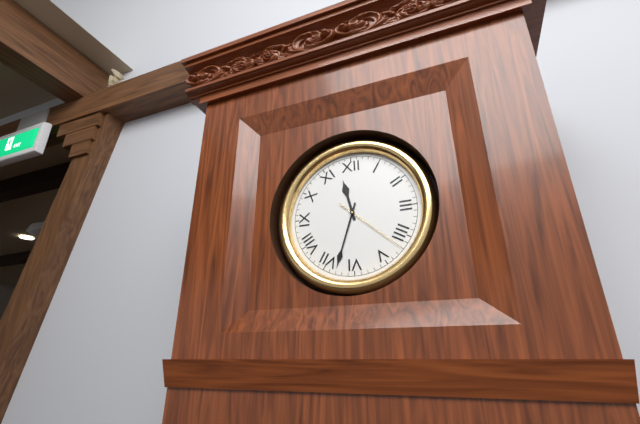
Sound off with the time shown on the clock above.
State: 11:33:22
